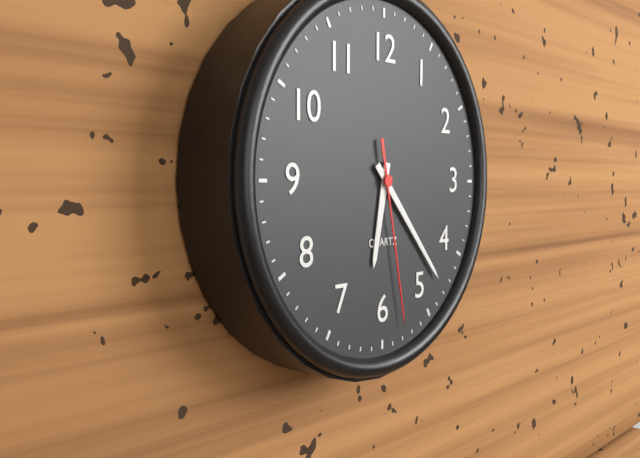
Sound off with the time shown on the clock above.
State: 6:23:28
